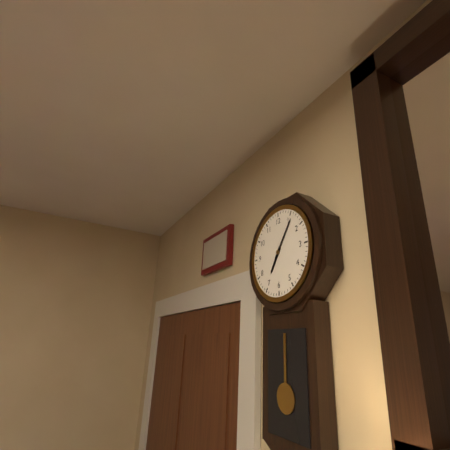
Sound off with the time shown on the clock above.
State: 7:06
